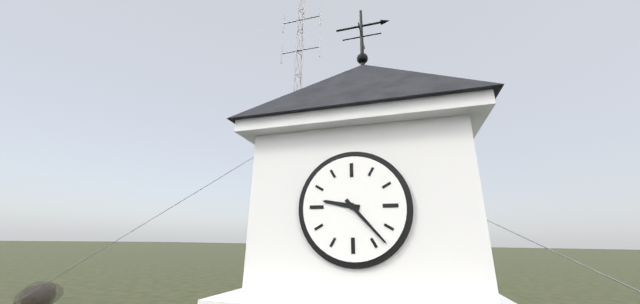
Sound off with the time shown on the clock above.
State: 9:23
